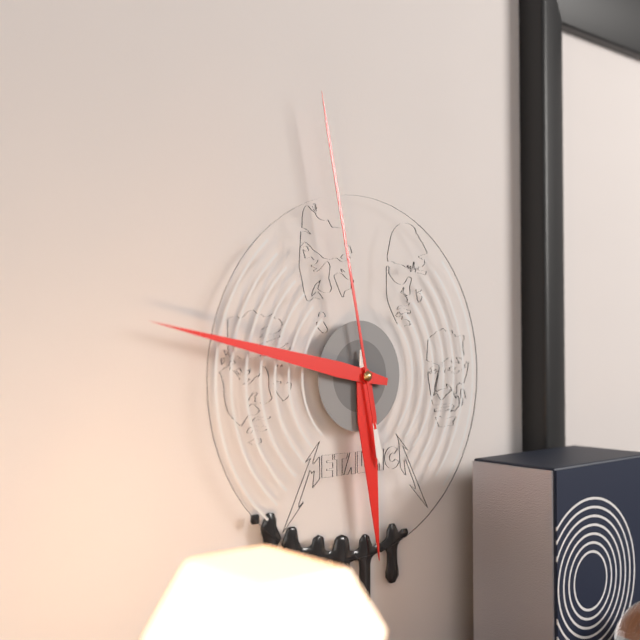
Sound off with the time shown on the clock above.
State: 5:47:58
